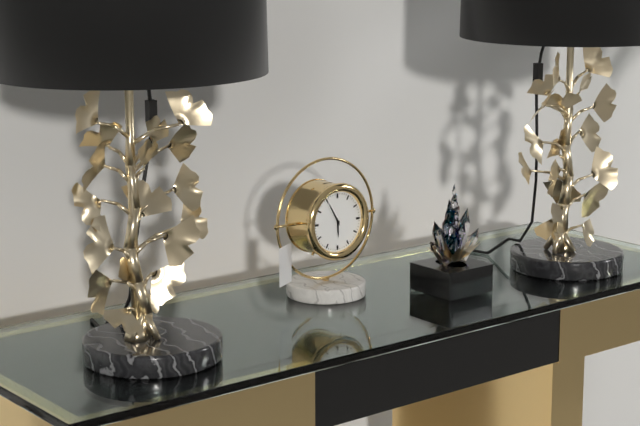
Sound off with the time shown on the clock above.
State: 5:55
